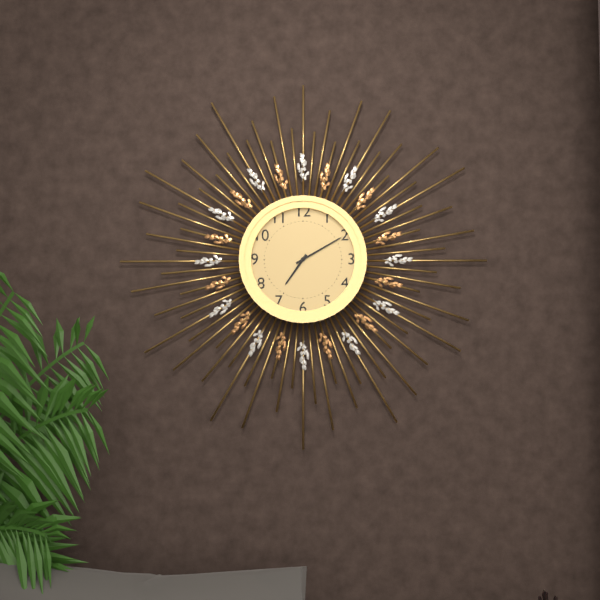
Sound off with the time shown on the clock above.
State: 7:10
